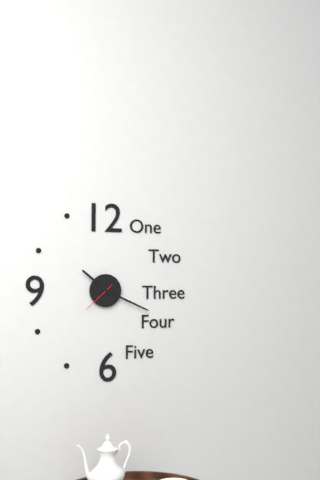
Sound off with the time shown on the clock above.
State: 10:19
